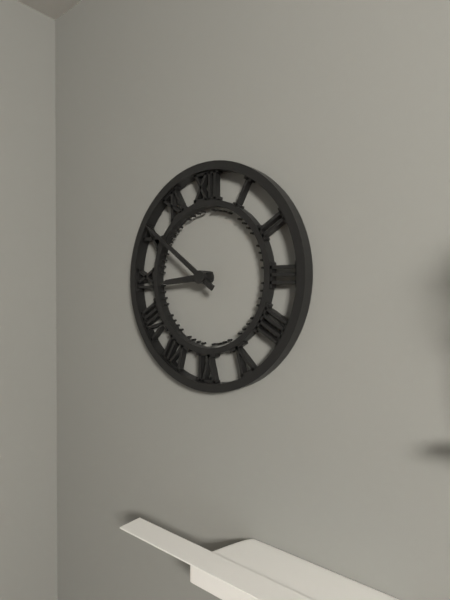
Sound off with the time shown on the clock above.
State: 8:51
